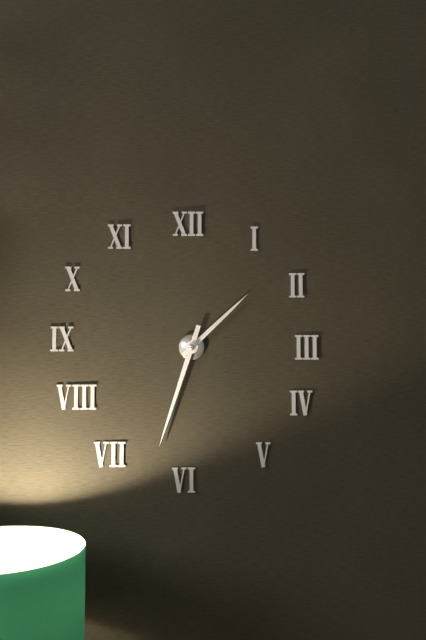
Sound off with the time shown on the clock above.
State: 1:33
